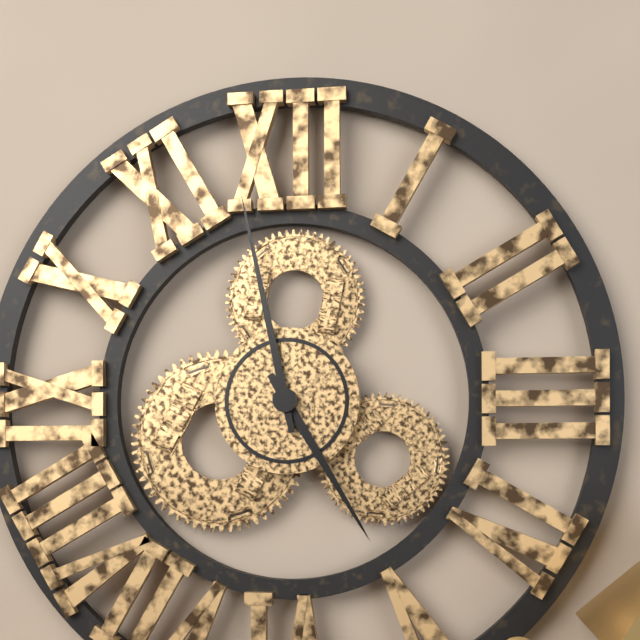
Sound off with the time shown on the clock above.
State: 4:58
